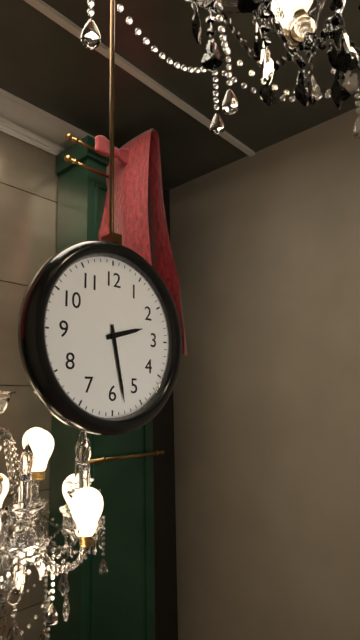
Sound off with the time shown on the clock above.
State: 2:28
